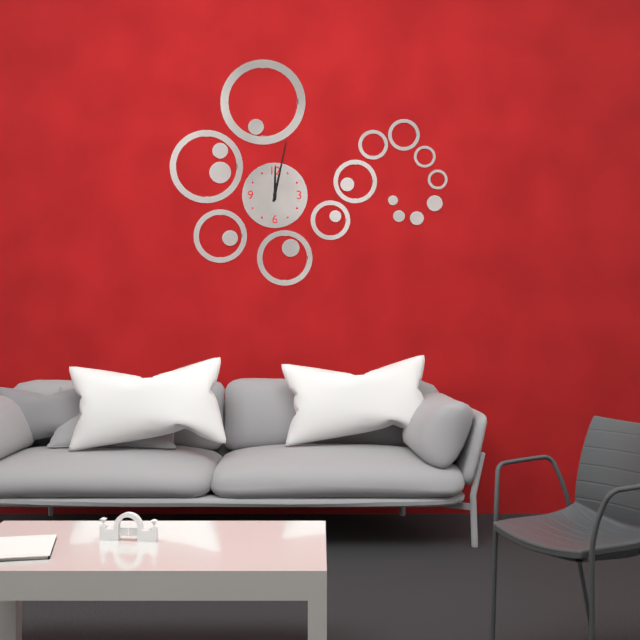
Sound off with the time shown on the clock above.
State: 12:02
